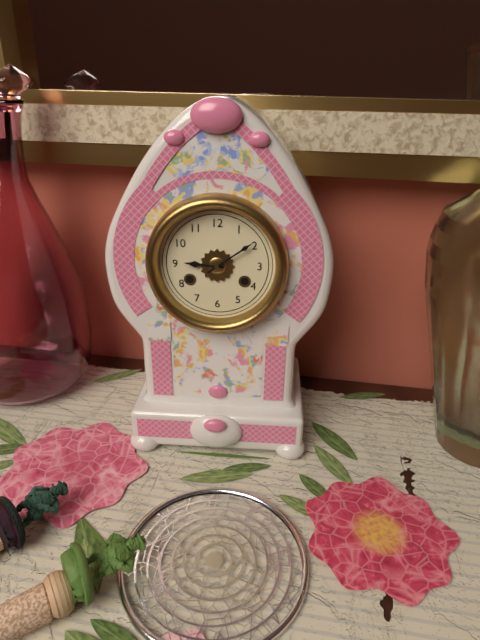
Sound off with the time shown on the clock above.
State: 9:09
